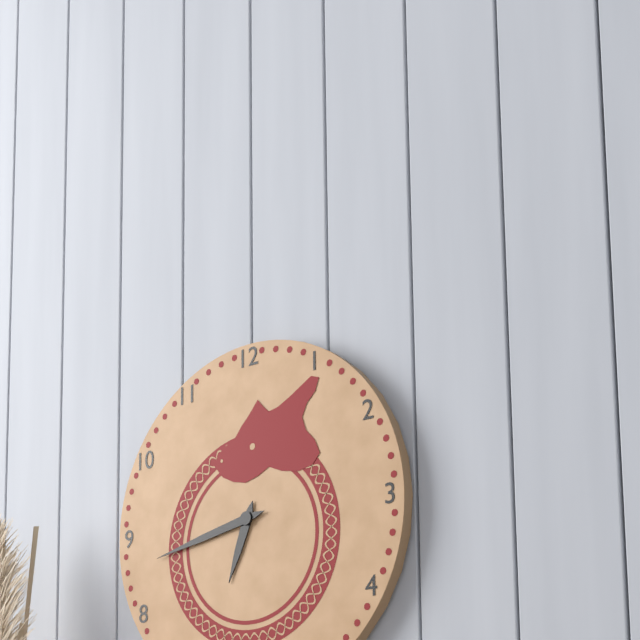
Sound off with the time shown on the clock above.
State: 6:43
